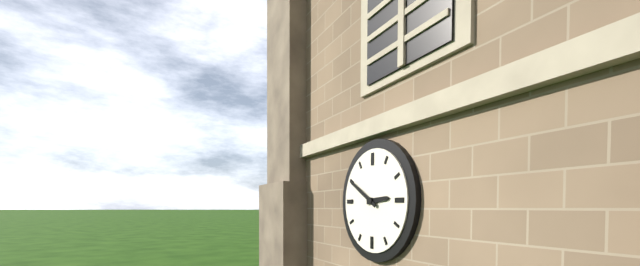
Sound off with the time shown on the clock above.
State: 2:50
